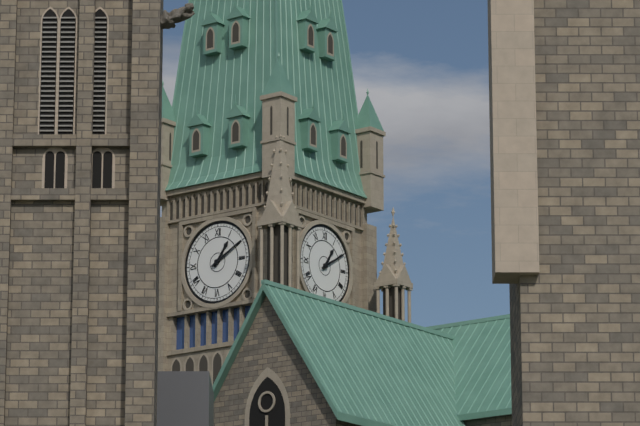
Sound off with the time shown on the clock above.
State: 1:10
